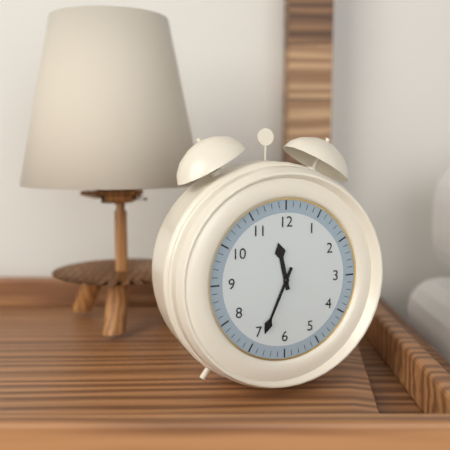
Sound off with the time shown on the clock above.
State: 11:34
